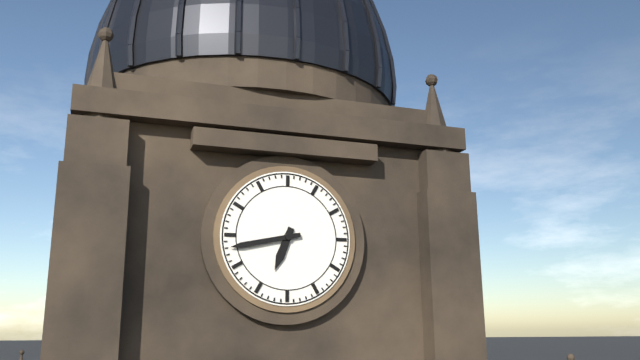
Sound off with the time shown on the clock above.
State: 6:43
